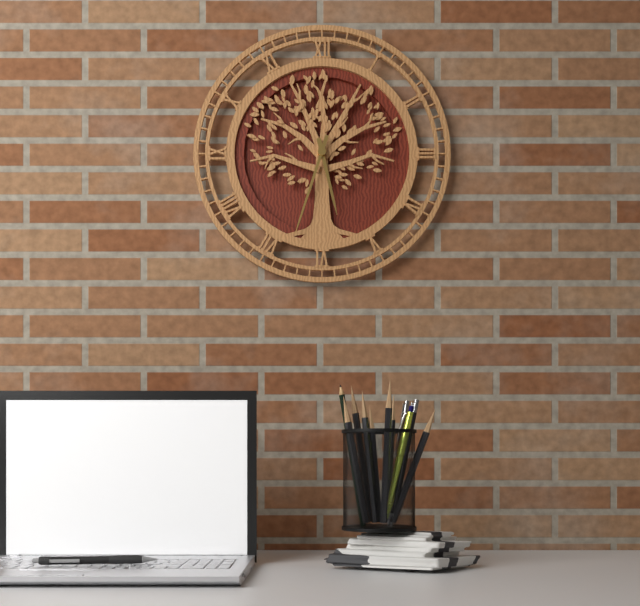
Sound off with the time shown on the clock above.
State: 5:33
